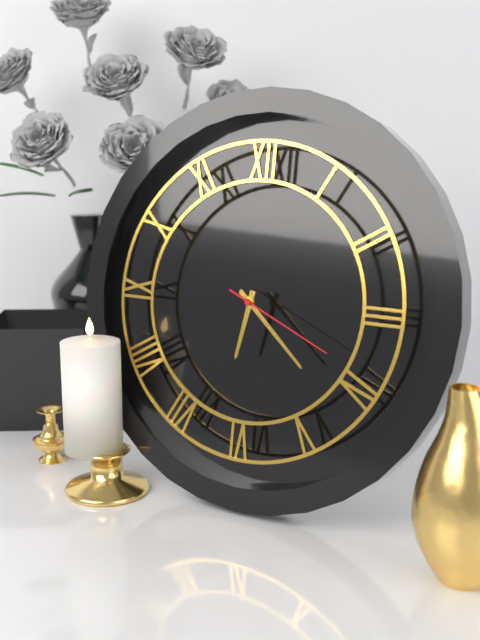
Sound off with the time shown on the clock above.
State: 6:22:19
